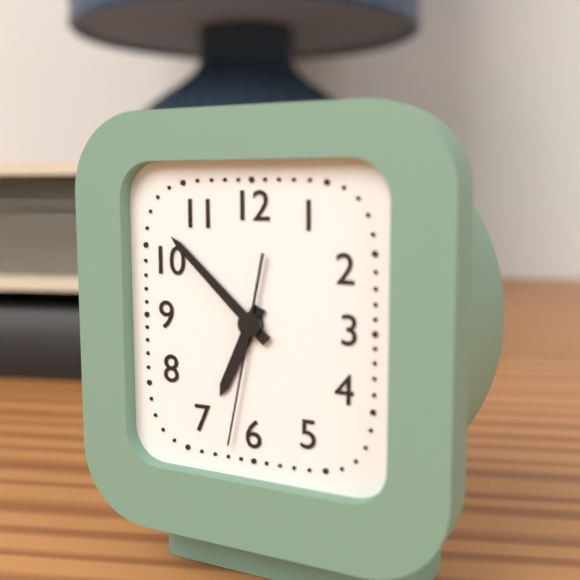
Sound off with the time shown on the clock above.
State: 6:52:32
